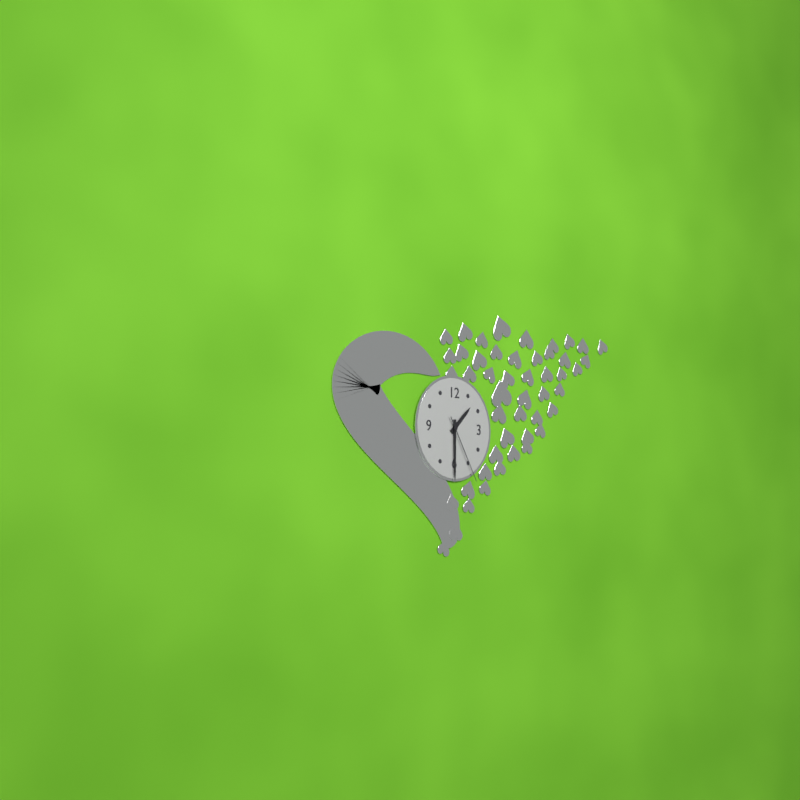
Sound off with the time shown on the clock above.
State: 1:30:25
